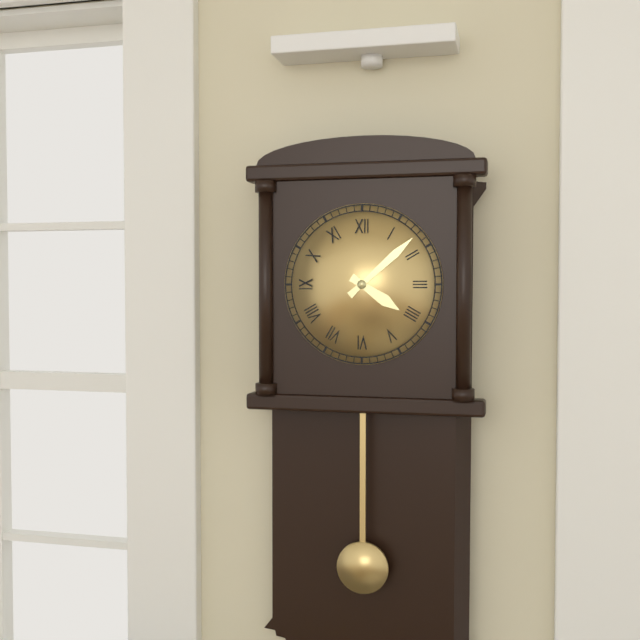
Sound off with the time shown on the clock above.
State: 4:08
